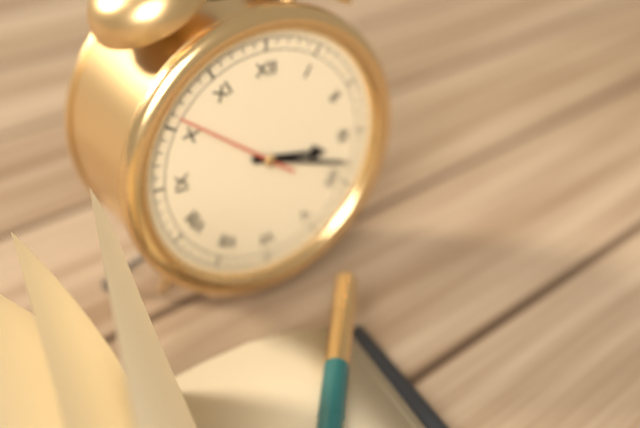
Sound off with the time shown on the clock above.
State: 3:18:51
